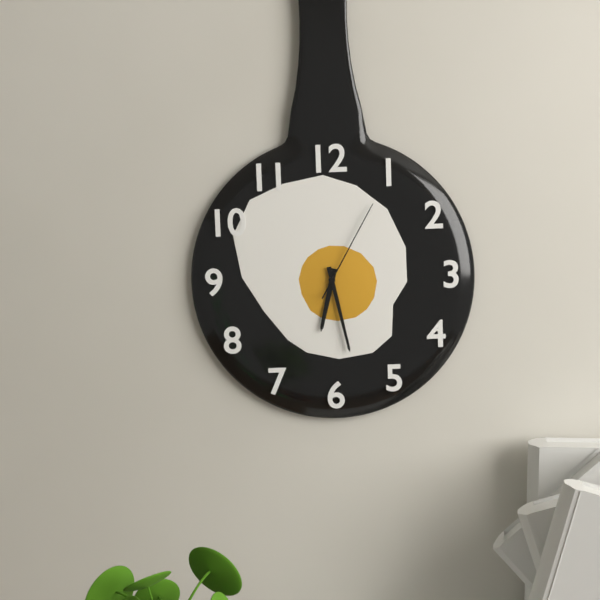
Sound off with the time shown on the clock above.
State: 6:28:05
